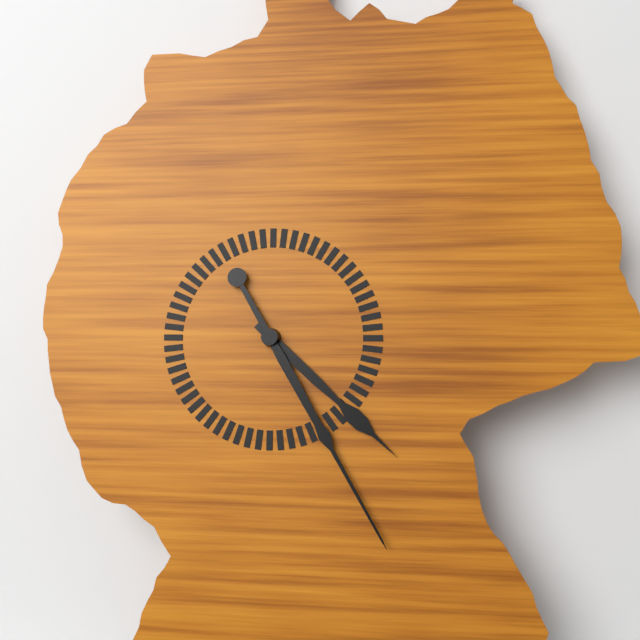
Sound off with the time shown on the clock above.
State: 4:25
